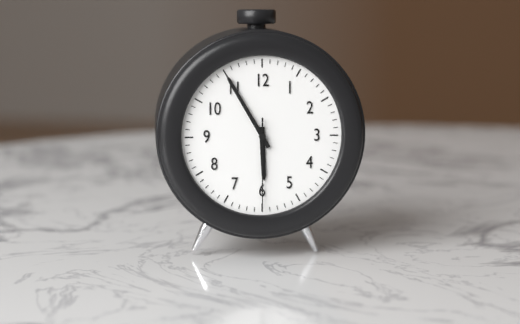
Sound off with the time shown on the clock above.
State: 5:55:30
